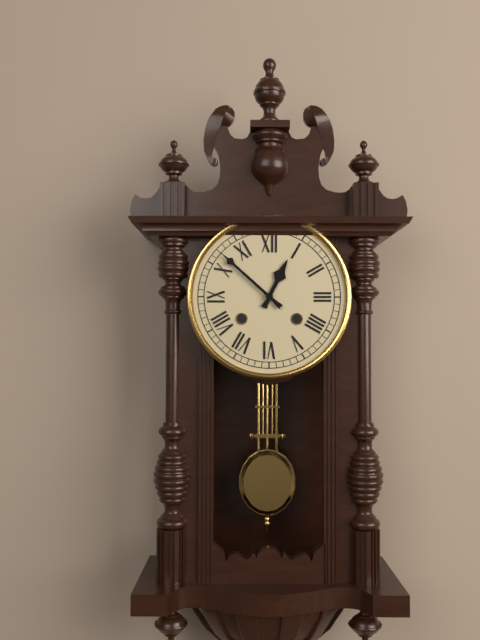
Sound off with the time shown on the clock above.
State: 12:52
